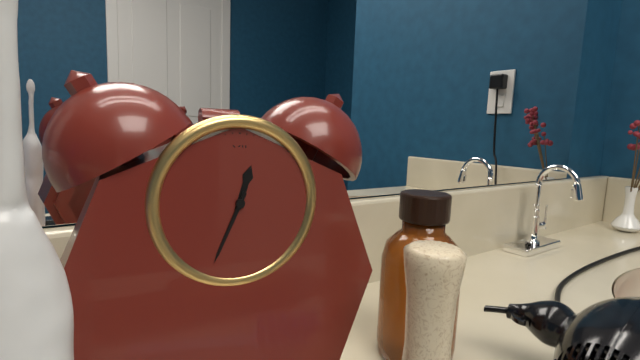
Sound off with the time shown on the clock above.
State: 12:34
